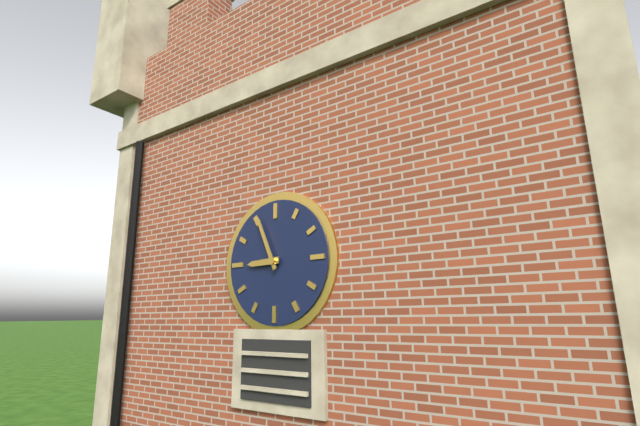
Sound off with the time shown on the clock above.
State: 8:56
